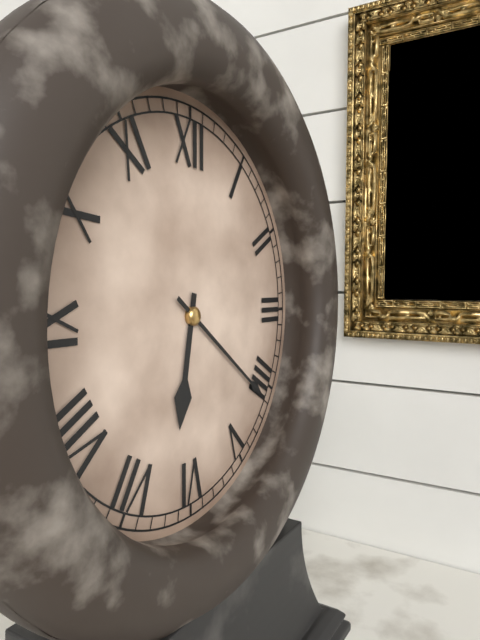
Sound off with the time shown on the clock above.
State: 6:21
